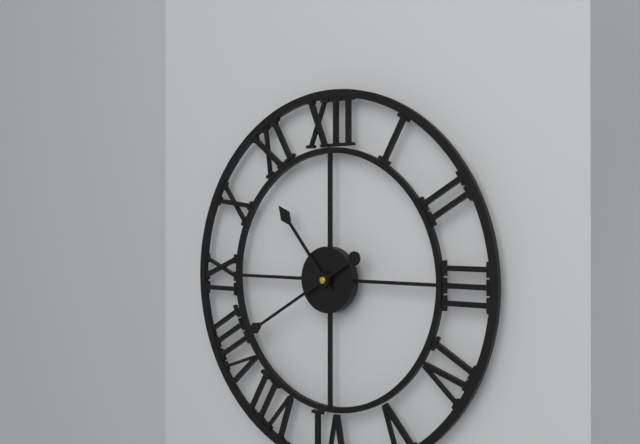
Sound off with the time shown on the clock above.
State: 10:40
